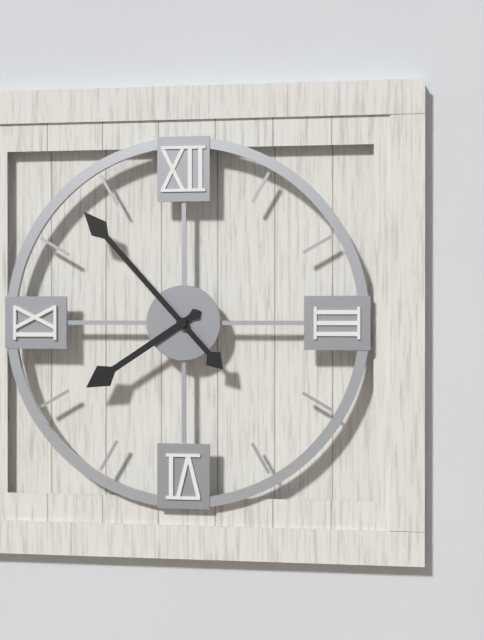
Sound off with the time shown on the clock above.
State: 7:53
